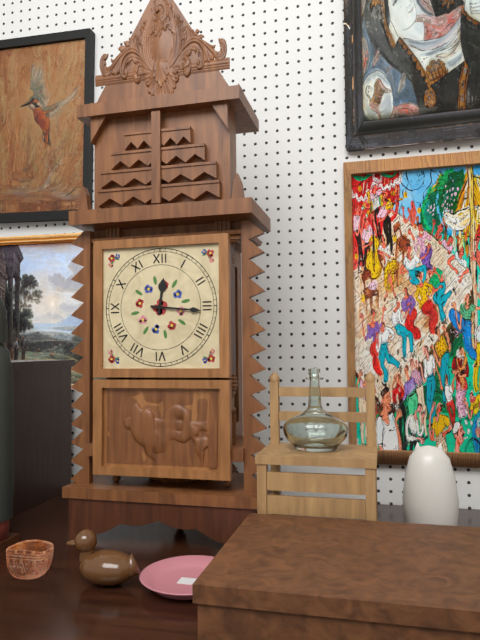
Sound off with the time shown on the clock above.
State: 12:16
